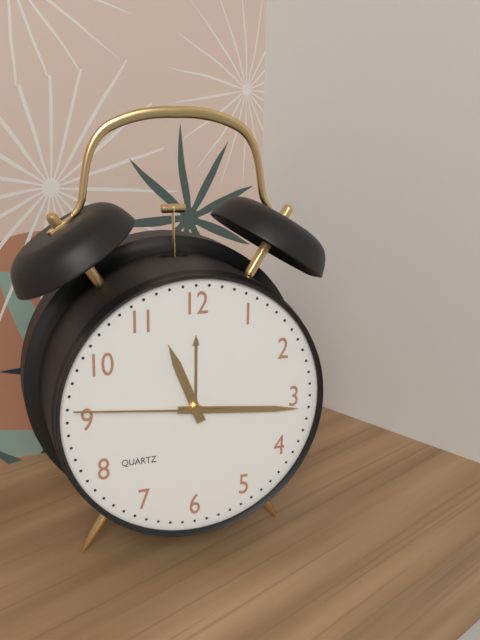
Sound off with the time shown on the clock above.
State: 11:16:46
